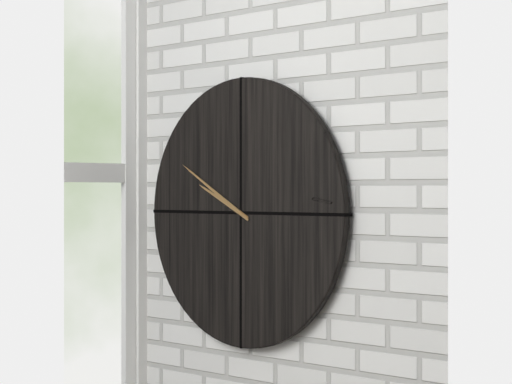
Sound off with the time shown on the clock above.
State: 9:50
